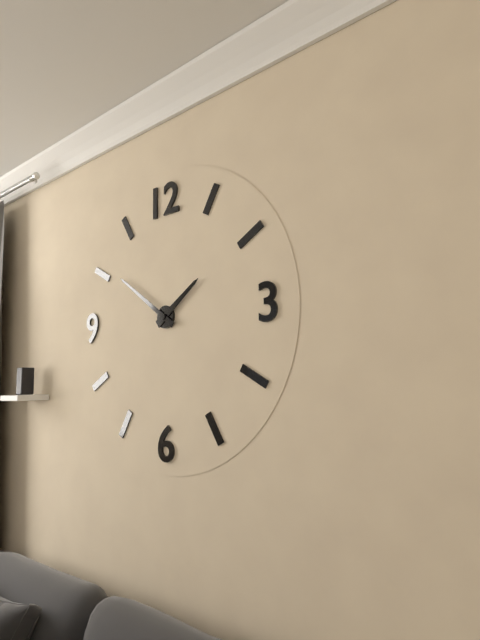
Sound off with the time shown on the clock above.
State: 1:51
